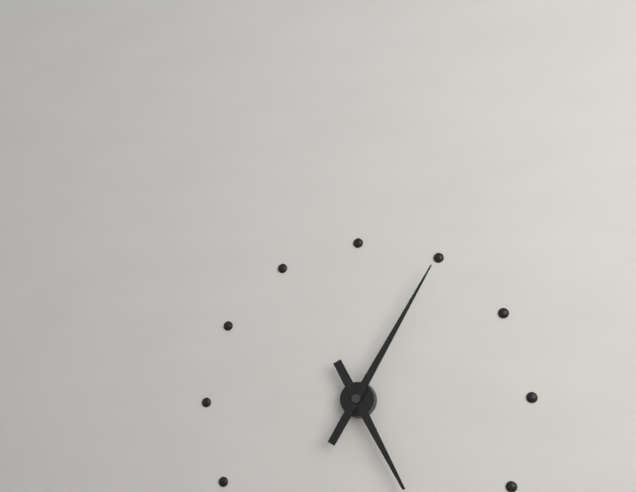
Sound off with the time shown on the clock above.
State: 5:05
